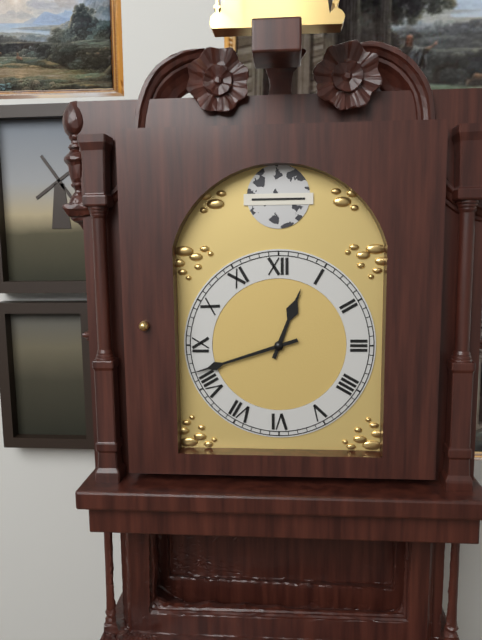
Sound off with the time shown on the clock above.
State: 12:42
